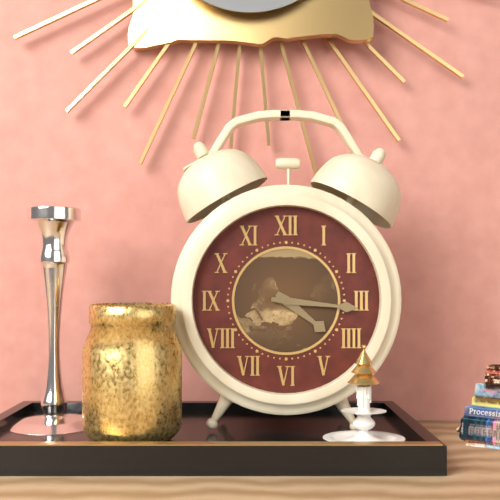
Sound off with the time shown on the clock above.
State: 4:16
